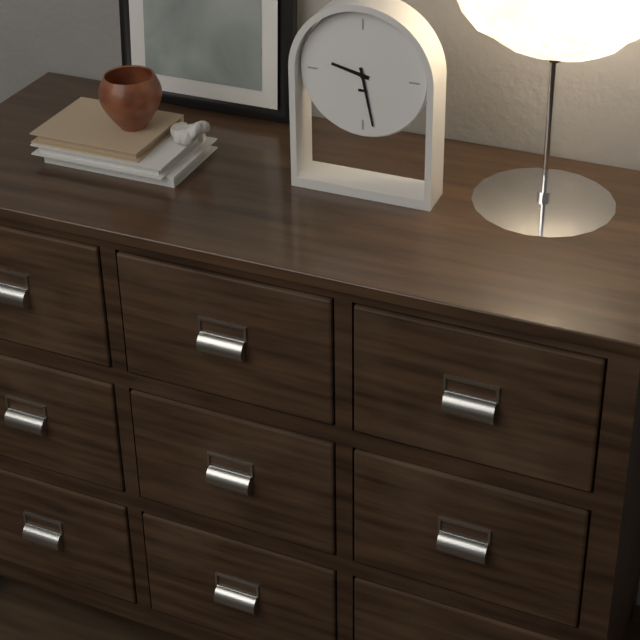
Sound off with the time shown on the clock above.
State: 9:28
